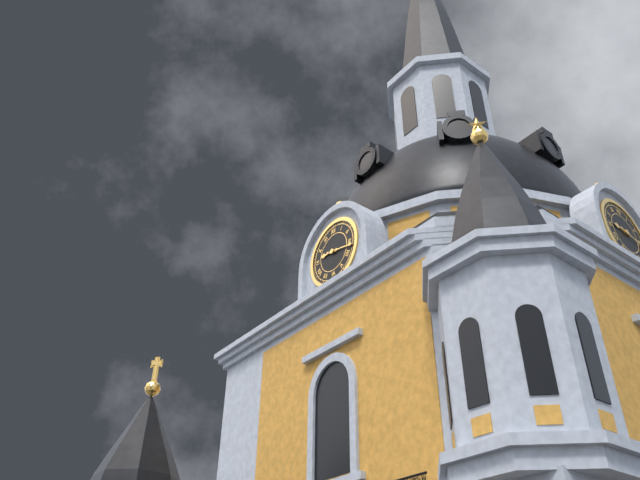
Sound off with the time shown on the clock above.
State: 9:17
